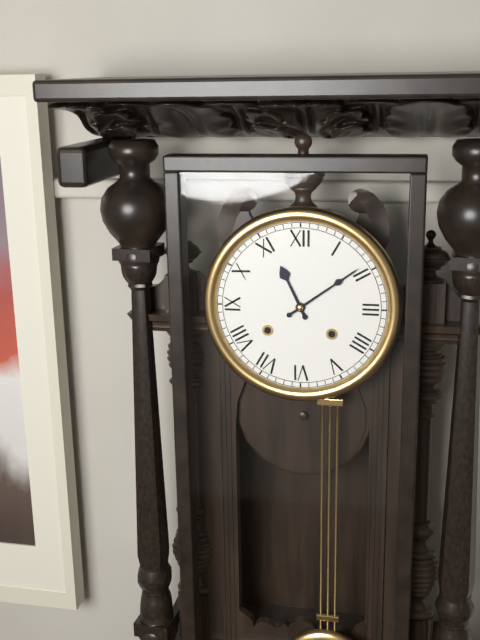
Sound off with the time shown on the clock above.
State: 11:09
